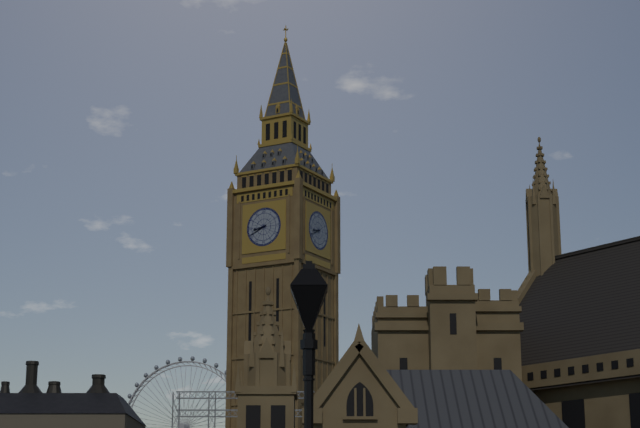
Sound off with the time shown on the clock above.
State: 8:41
